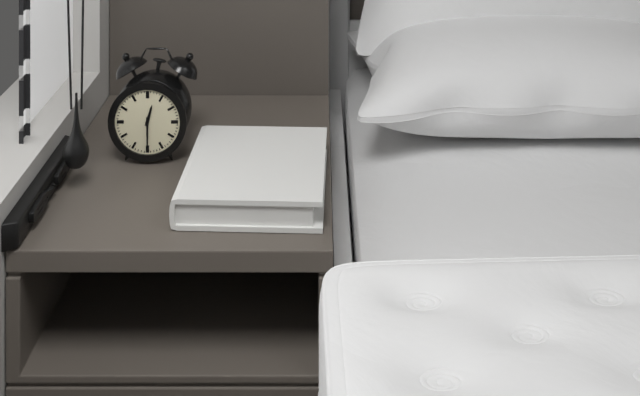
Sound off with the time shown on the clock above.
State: 12:30
